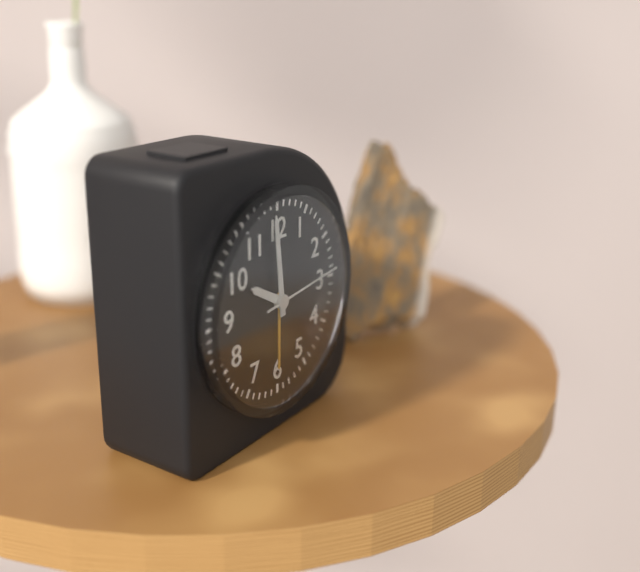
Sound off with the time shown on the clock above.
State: 9:59:14
